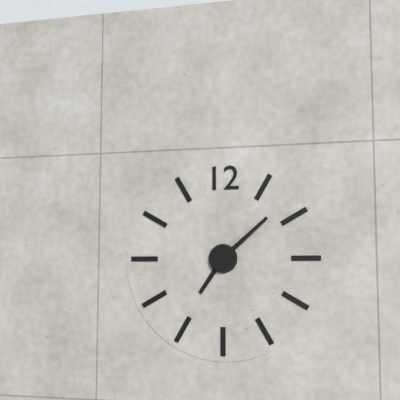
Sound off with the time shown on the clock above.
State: 7:08
